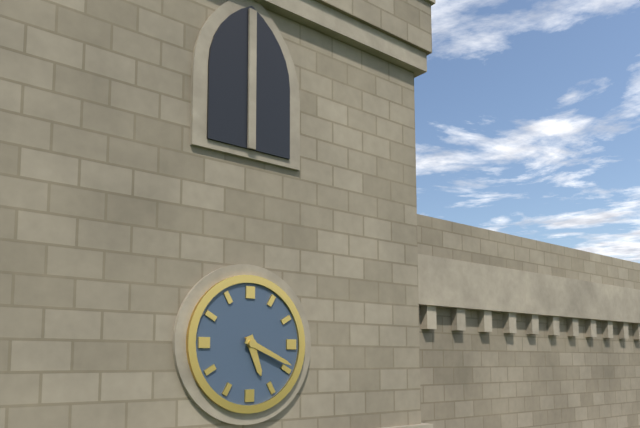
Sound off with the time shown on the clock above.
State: 5:19
